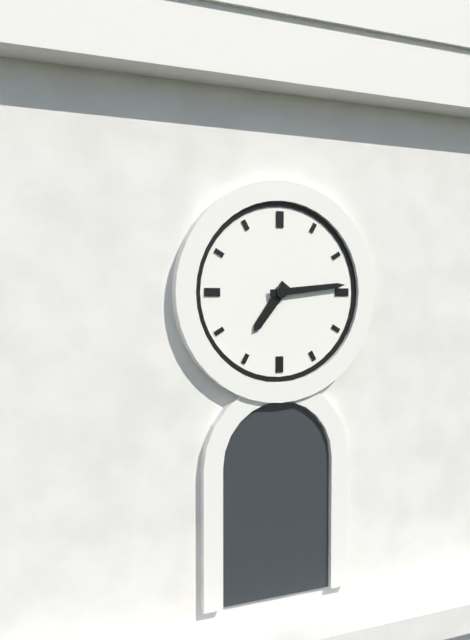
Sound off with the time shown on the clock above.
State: 7:14
